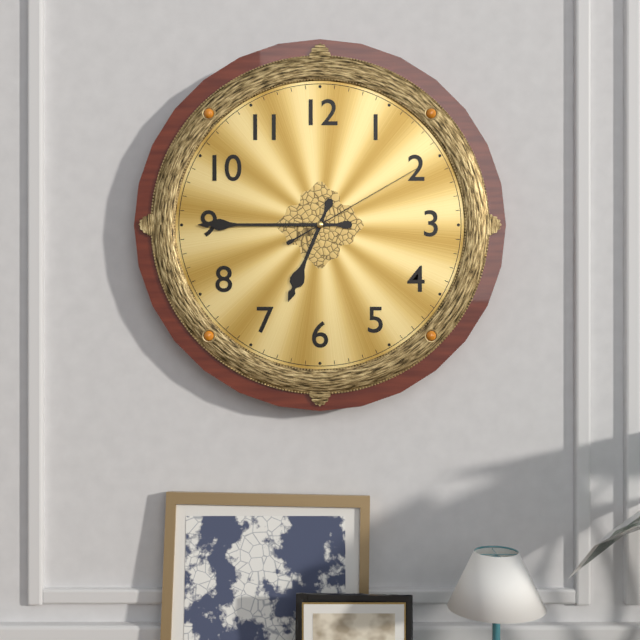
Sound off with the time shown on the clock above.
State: 6:45:10
